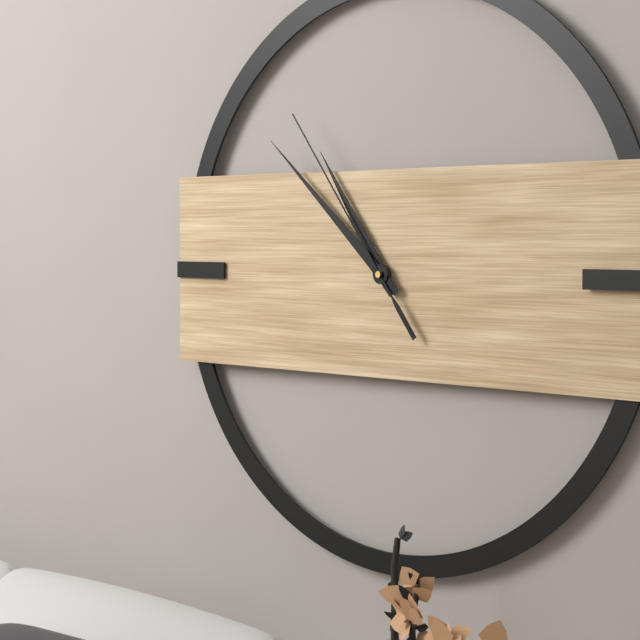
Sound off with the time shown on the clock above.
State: 10:52:54
